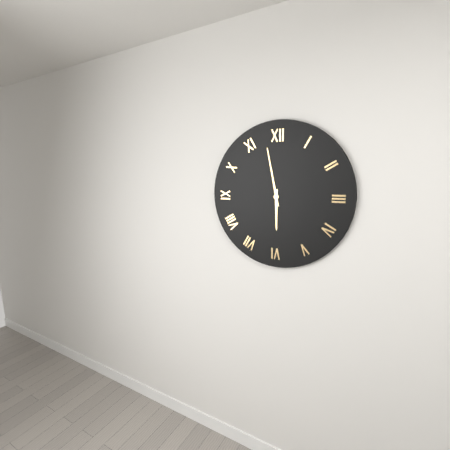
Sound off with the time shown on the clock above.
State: 5:58
